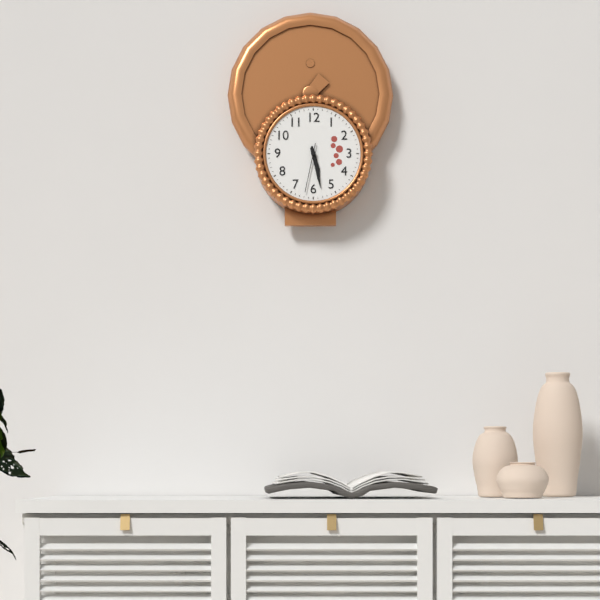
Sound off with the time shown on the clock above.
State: 5:28
